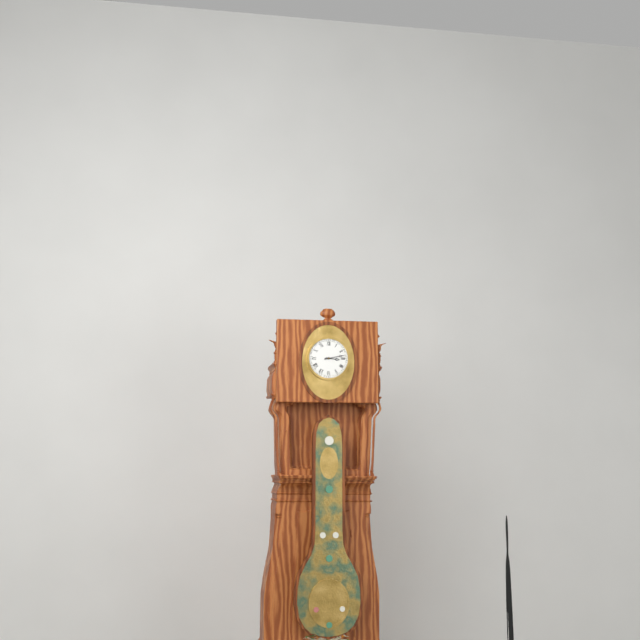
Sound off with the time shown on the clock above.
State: 3:13
